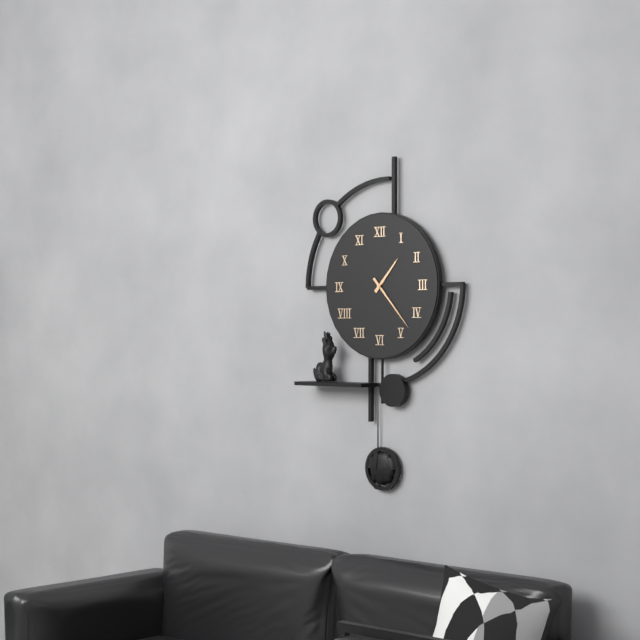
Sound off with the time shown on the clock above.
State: 1:23
